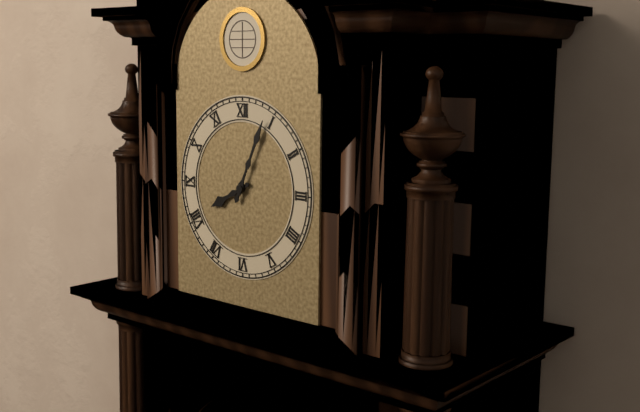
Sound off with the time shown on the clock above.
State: 8:04
